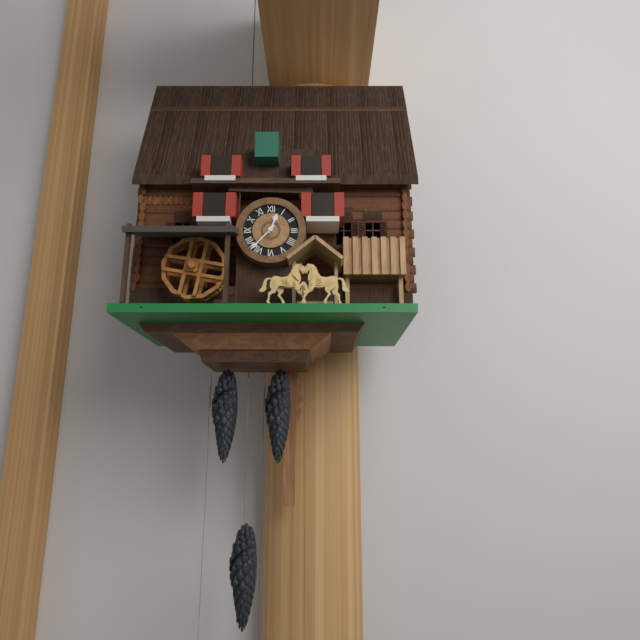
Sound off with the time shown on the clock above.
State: 12:37
